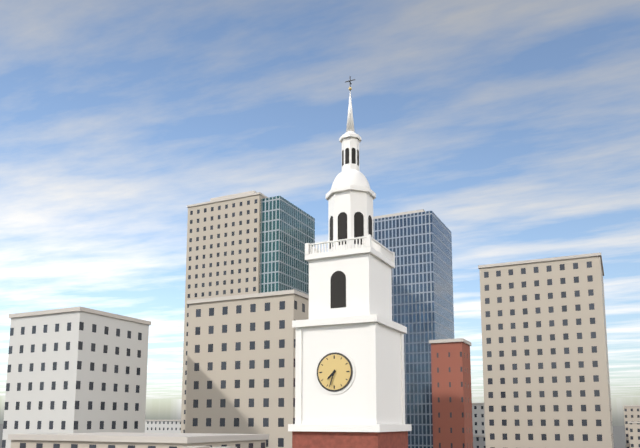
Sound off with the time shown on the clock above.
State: 7:33
